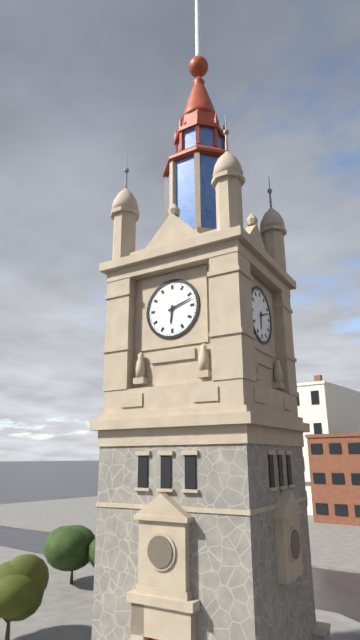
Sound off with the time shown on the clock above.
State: 6:12
